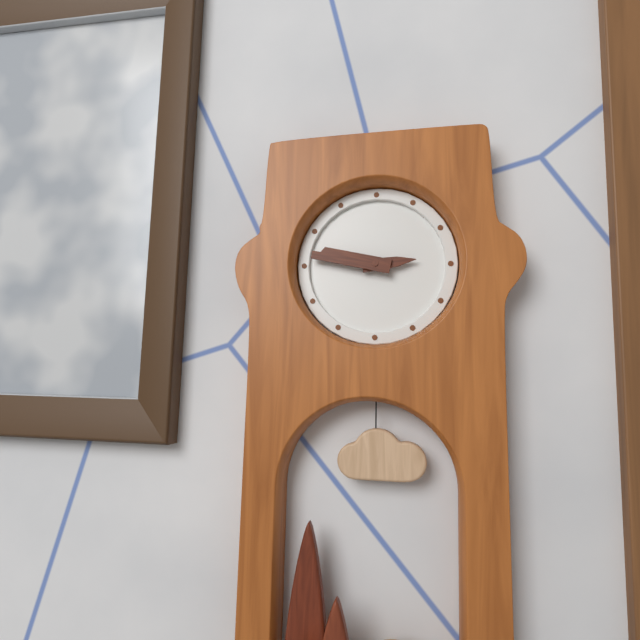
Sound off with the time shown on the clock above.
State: 2:47
